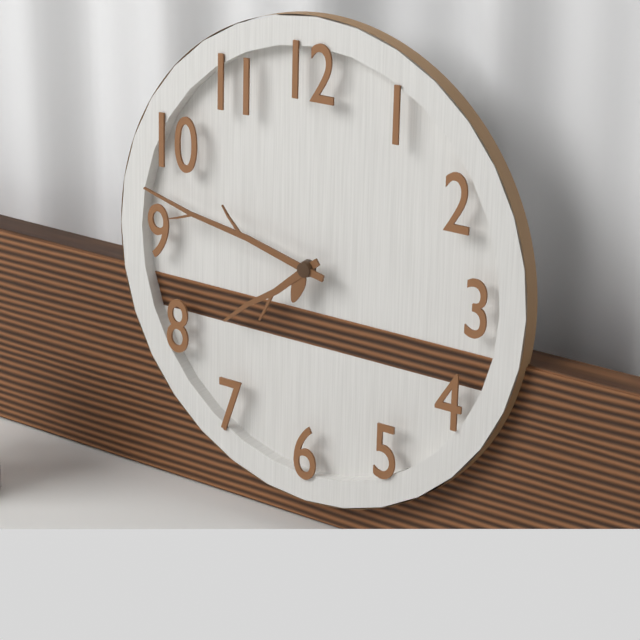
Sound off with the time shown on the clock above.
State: 7:47
